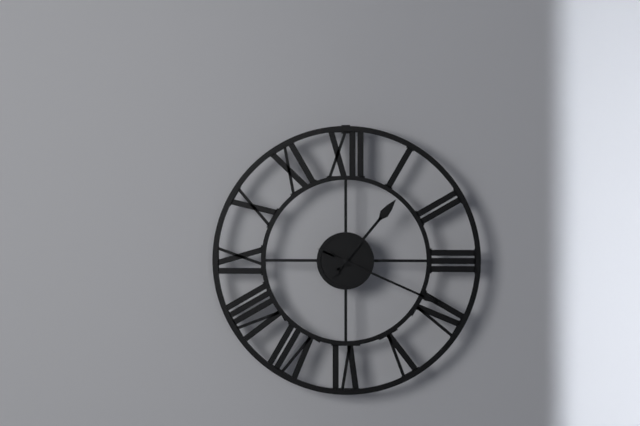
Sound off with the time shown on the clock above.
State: 1:19
